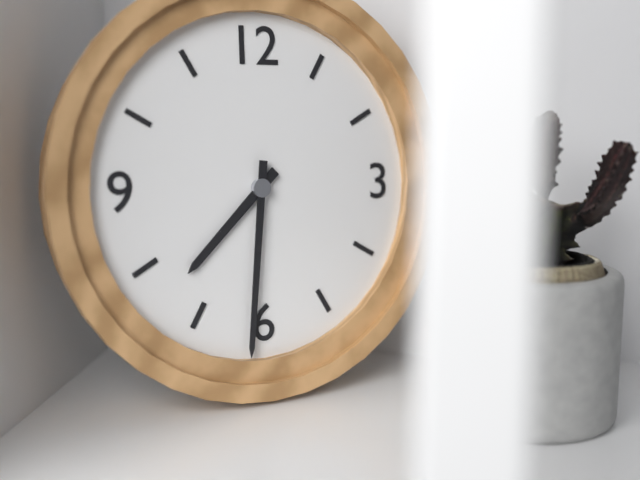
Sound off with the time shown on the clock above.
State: 7:31
